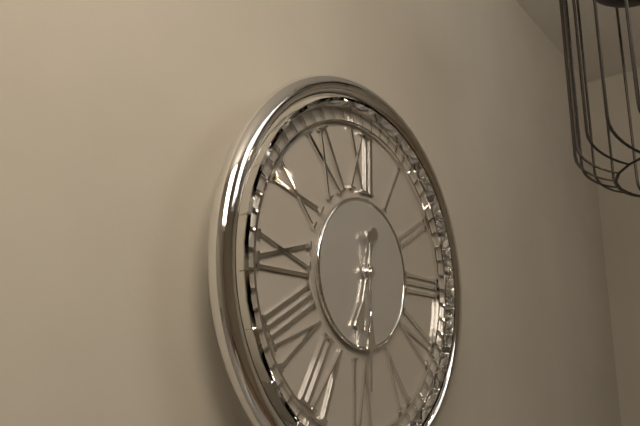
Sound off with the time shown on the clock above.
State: 6:30
